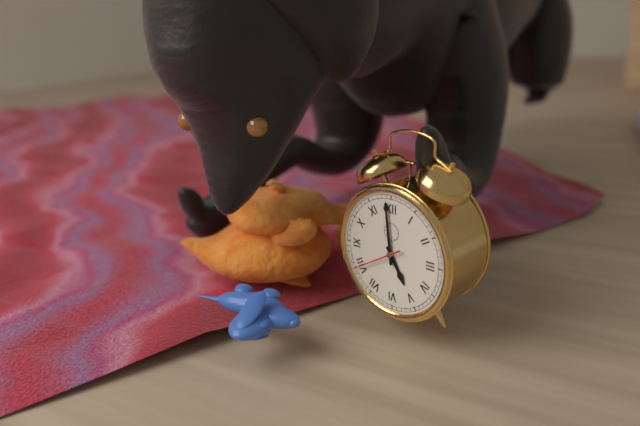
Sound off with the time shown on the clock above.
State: 4:59:40
